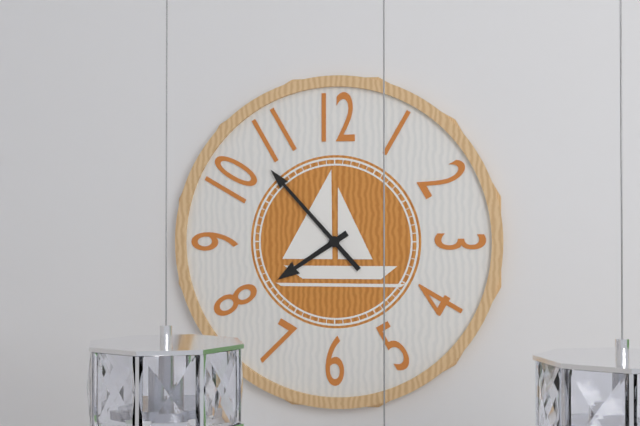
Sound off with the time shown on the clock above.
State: 7:53
